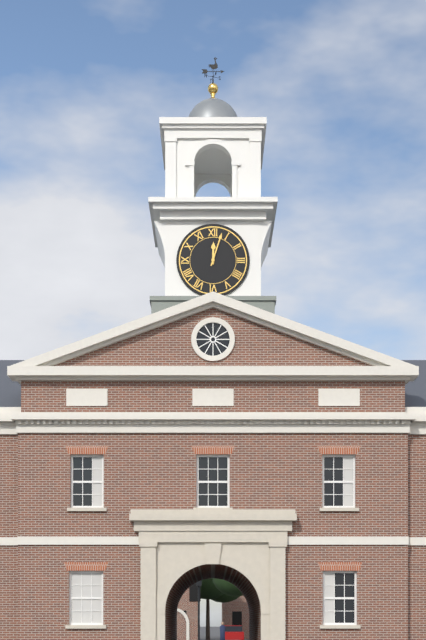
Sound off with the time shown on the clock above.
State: 12:03
